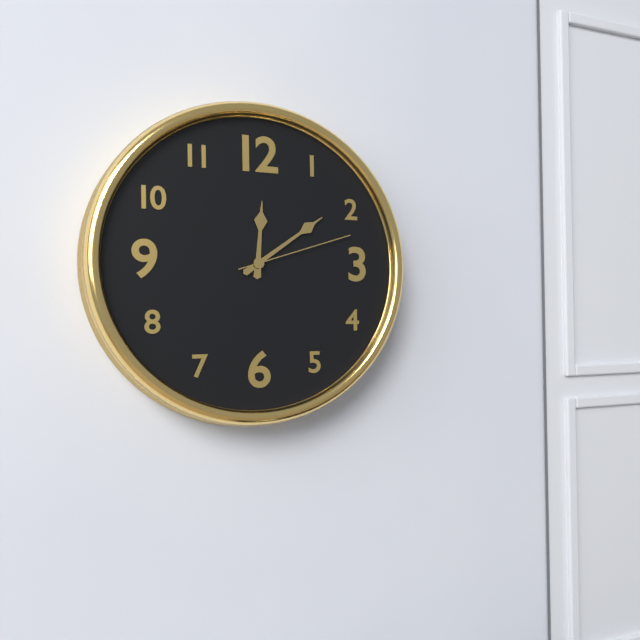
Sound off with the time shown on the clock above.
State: 12:09:12
